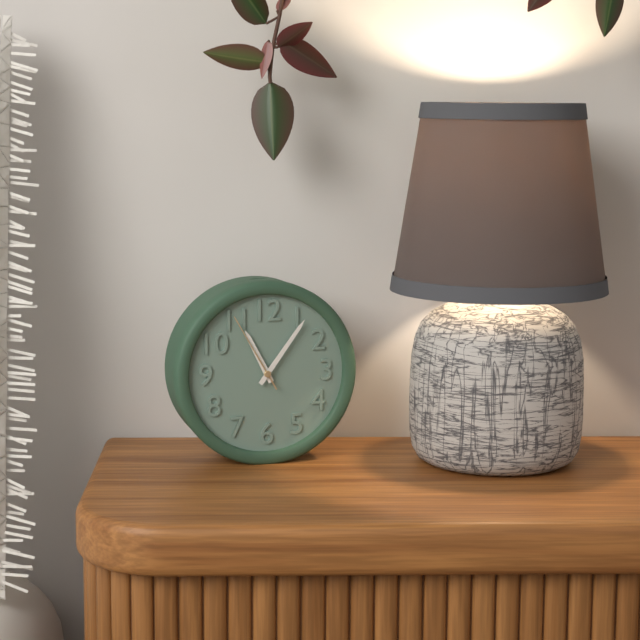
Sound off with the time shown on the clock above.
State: 11:06:55
